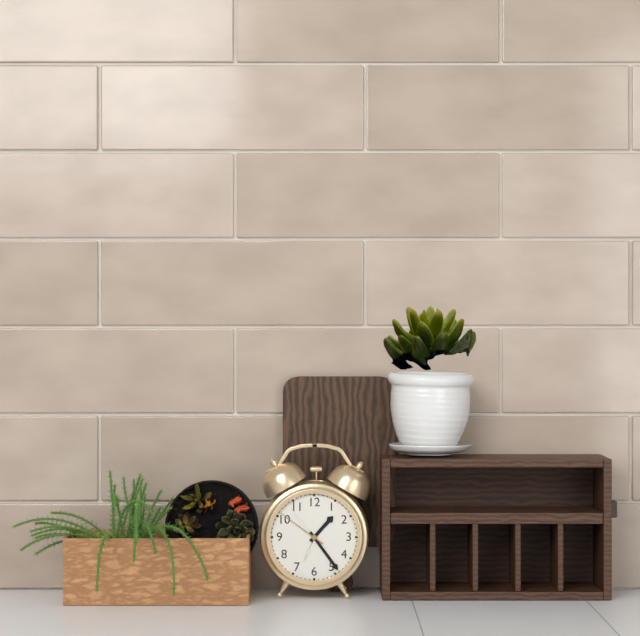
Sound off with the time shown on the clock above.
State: 1:24:51
